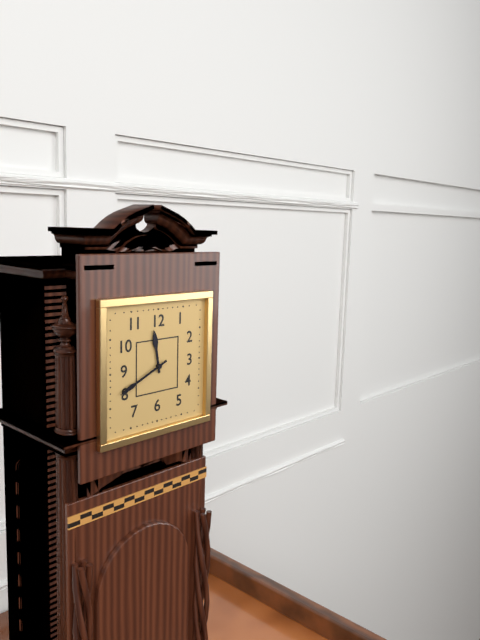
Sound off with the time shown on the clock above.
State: 11:41
